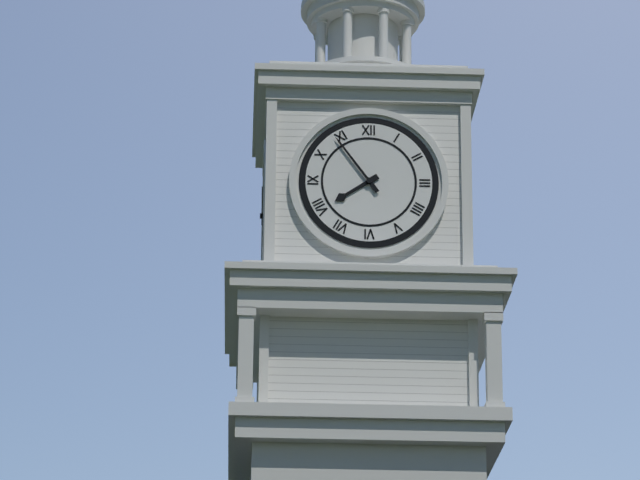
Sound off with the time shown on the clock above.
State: 7:54
